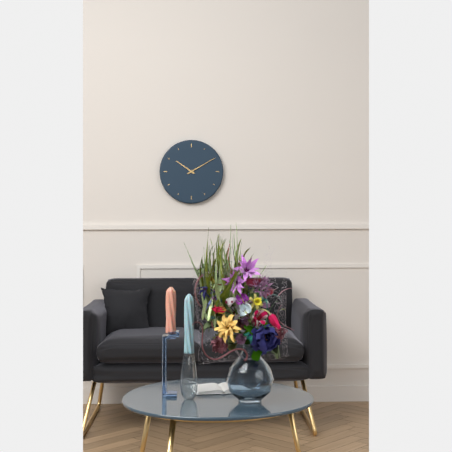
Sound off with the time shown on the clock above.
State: 10:10
